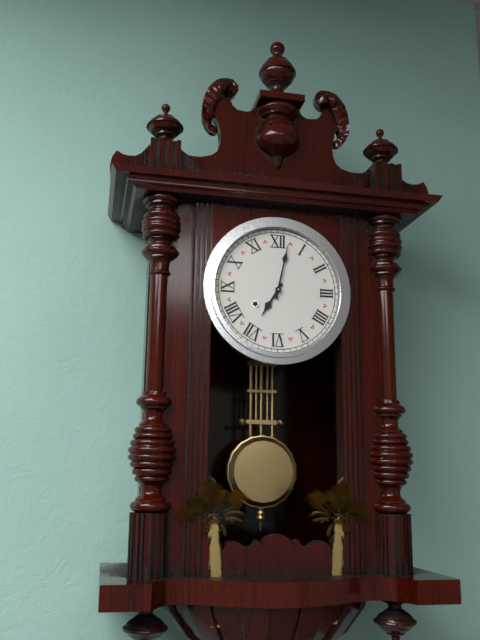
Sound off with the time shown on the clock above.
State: 7:02
